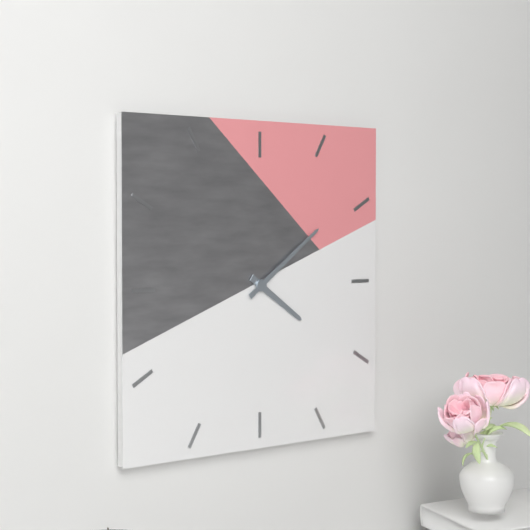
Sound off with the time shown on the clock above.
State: 4:09
